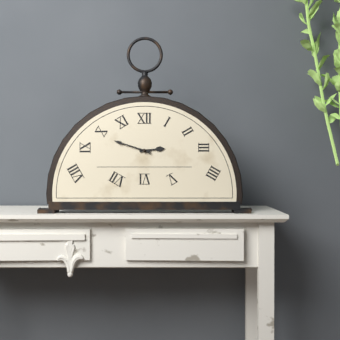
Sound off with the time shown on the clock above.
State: 2:48
